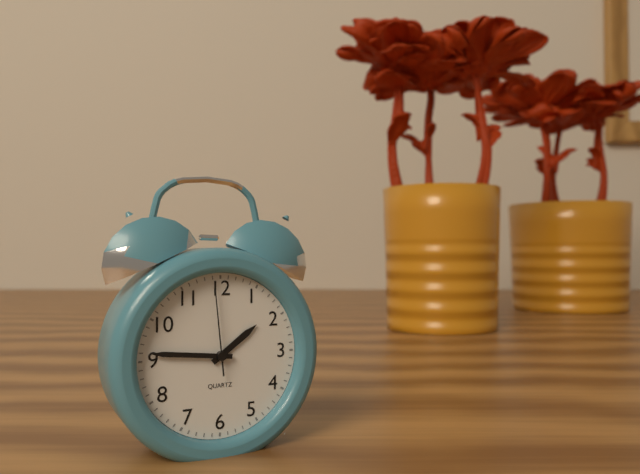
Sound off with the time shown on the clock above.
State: 1:46:59
